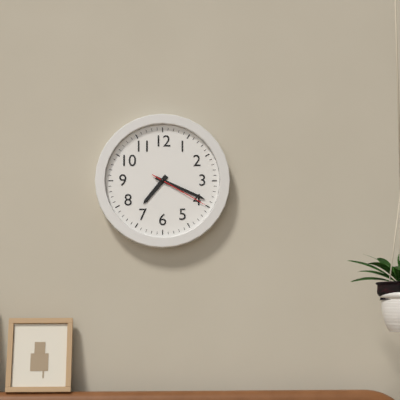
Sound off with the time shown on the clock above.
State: 7:19:20
